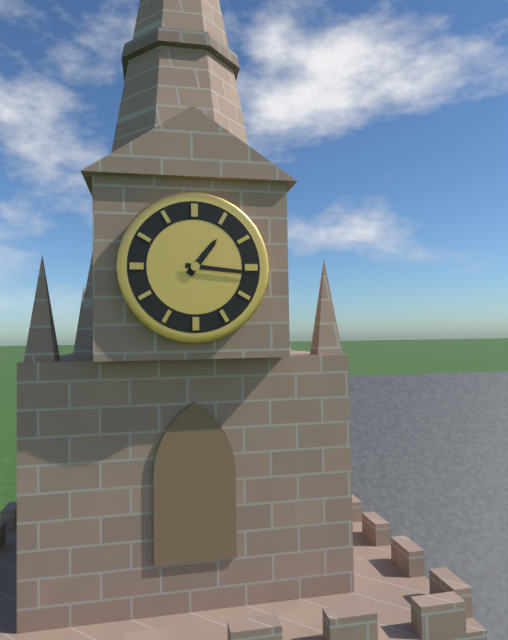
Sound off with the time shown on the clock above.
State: 1:16
